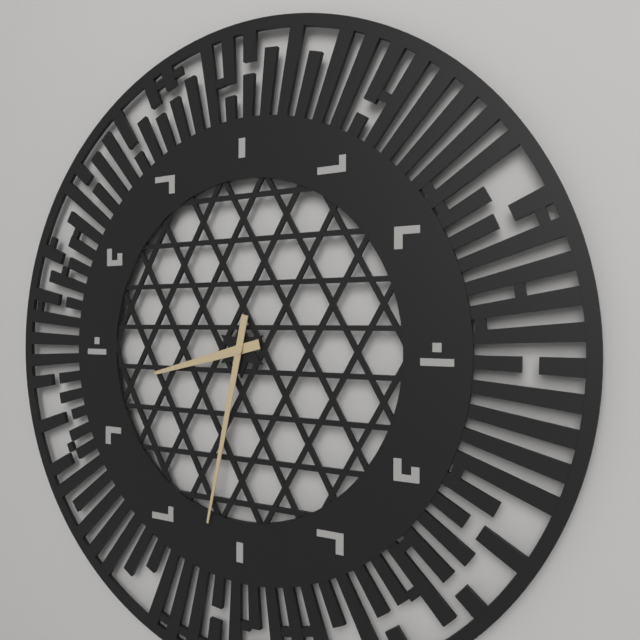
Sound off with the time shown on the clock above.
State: 8:32
